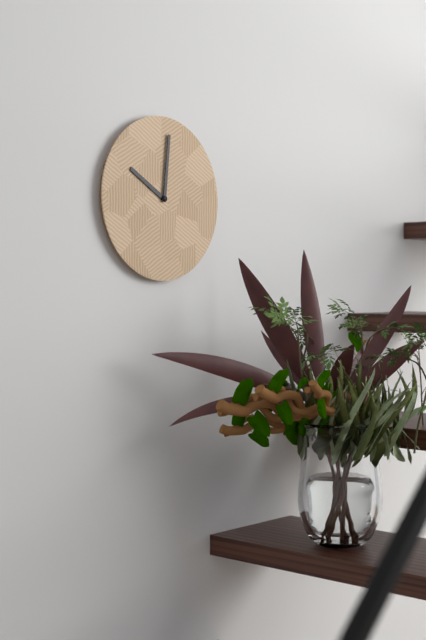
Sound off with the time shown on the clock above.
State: 10:01
